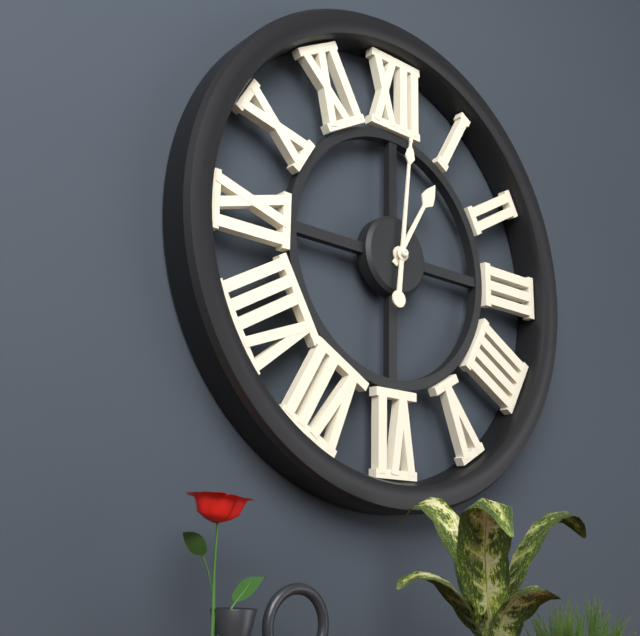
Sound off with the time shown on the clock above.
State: 1:01
